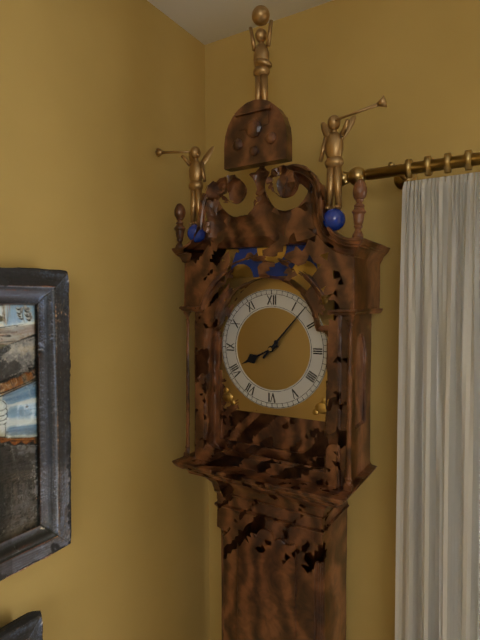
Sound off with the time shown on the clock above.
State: 8:07
